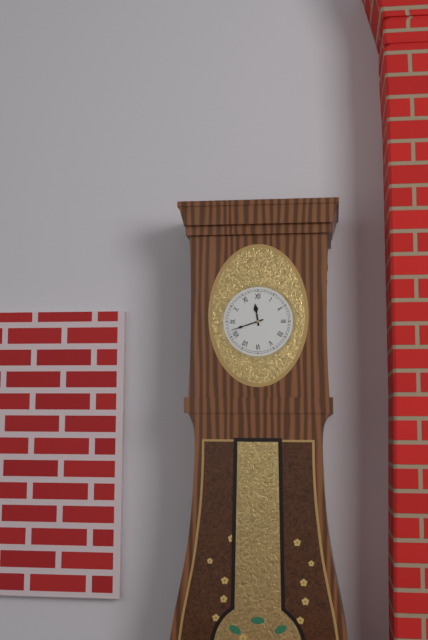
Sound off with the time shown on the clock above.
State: 11:42
